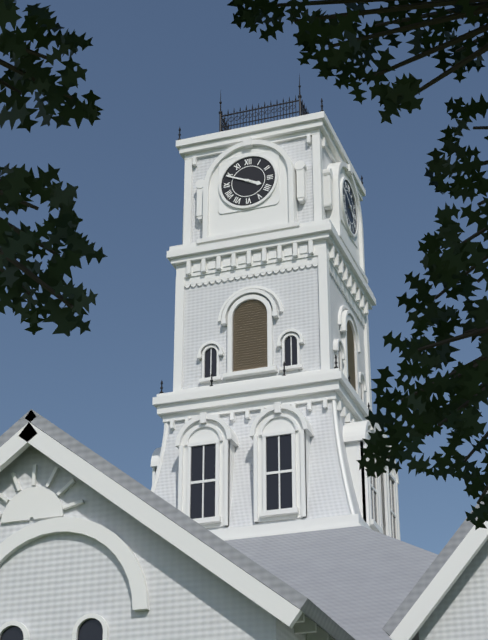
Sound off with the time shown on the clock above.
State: 3:49
